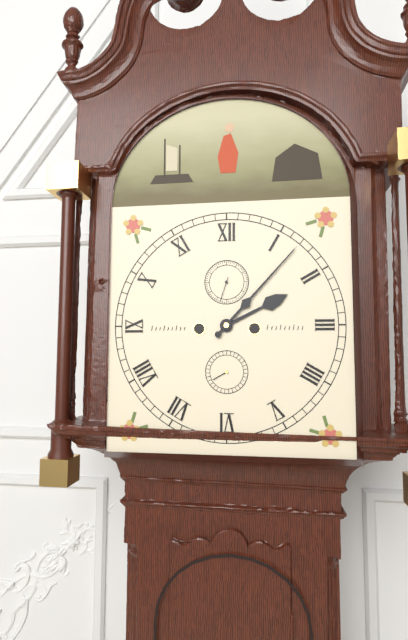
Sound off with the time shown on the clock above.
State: 2:07
